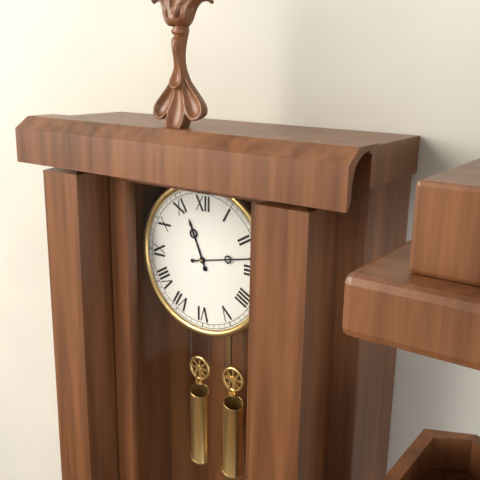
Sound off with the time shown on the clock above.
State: 11:13
